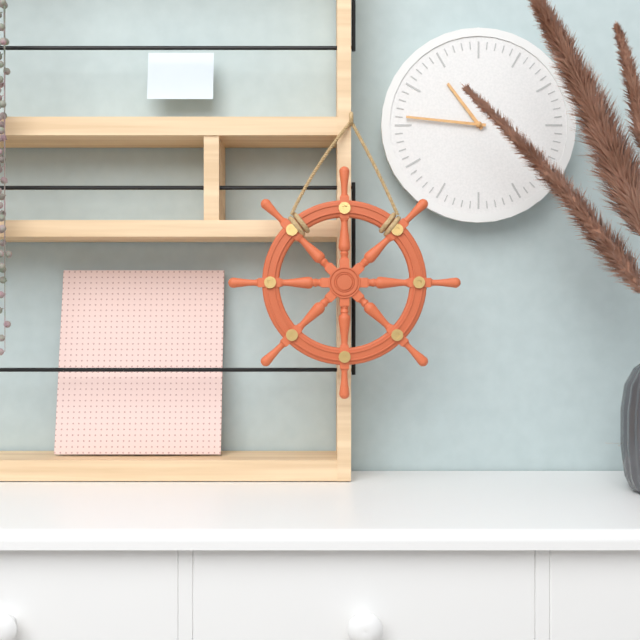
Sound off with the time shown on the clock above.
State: 10:46
